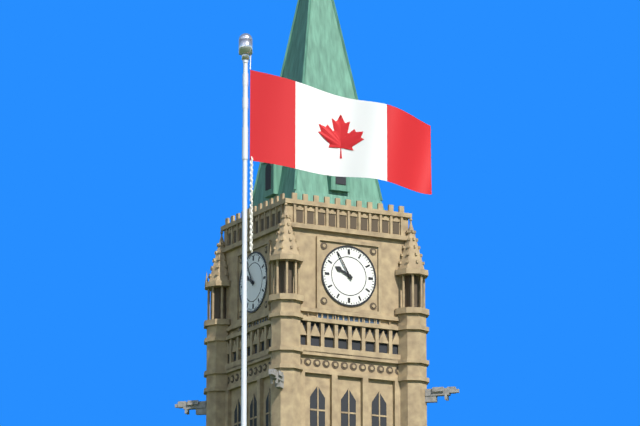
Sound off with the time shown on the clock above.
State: 9:55
